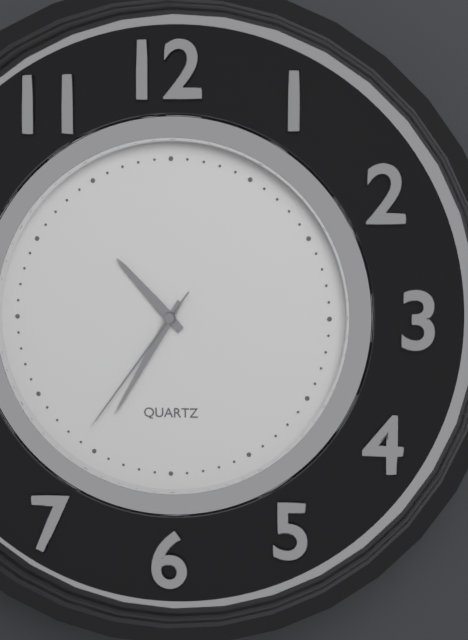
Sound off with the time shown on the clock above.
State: 10:35:36
